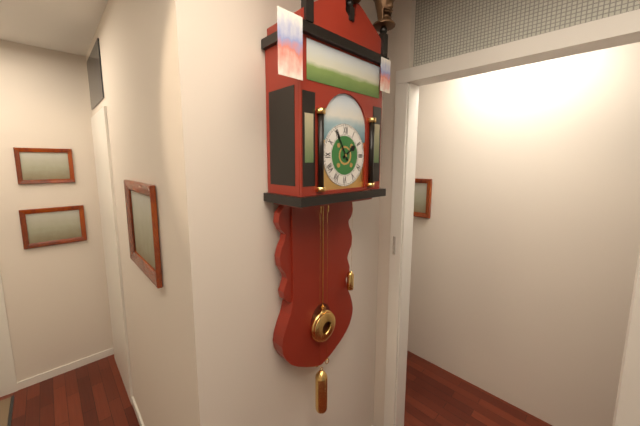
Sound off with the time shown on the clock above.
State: 1:55
